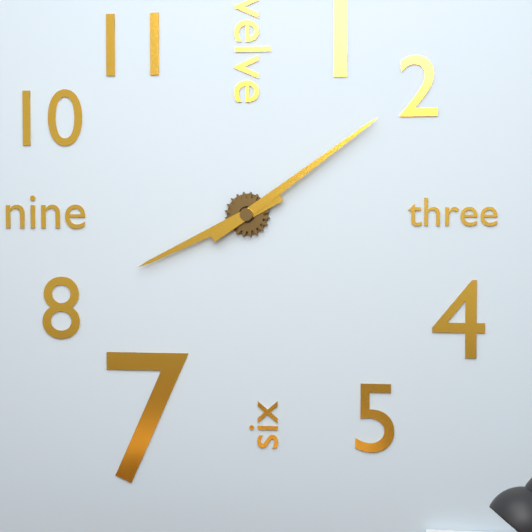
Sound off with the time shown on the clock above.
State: 8:09
